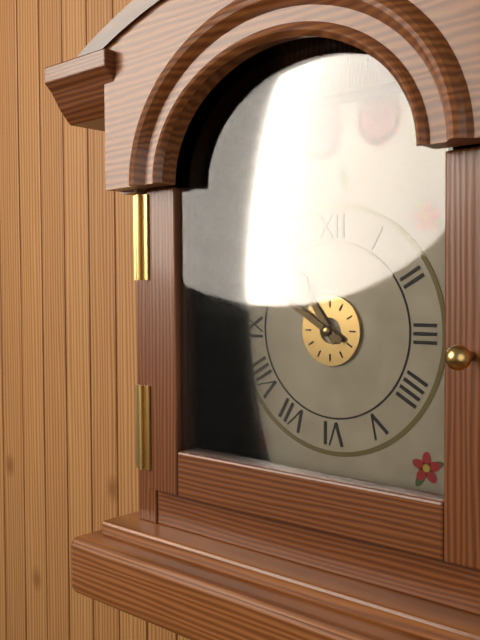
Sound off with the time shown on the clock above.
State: 10:50
